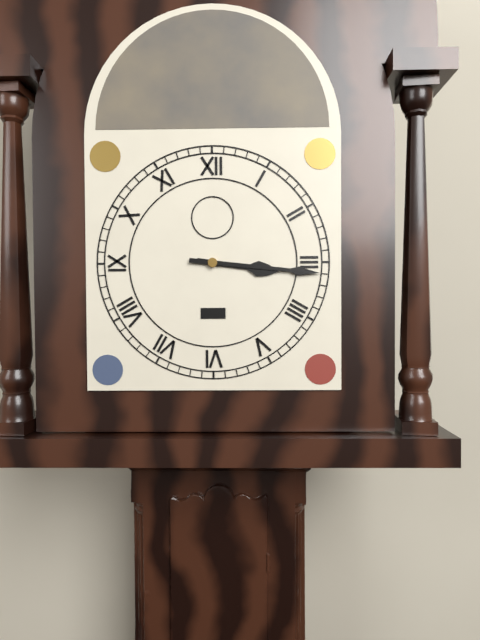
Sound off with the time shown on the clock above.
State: 3:16
